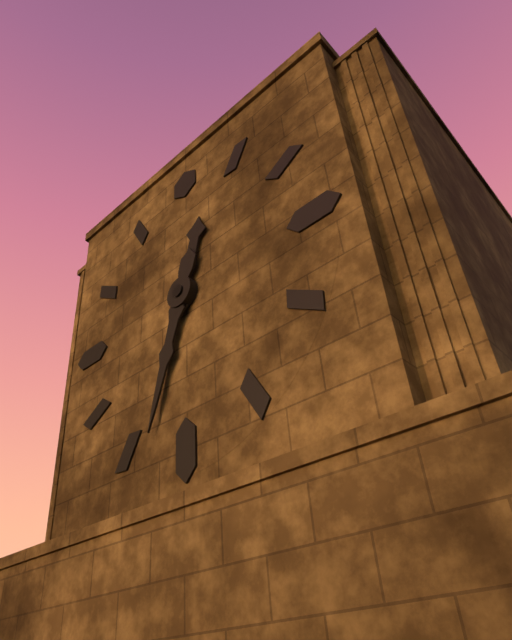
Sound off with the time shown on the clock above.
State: 12:33
